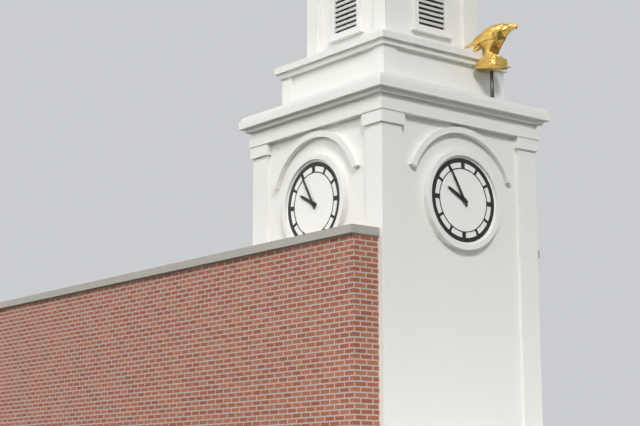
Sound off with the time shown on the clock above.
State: 9:55
